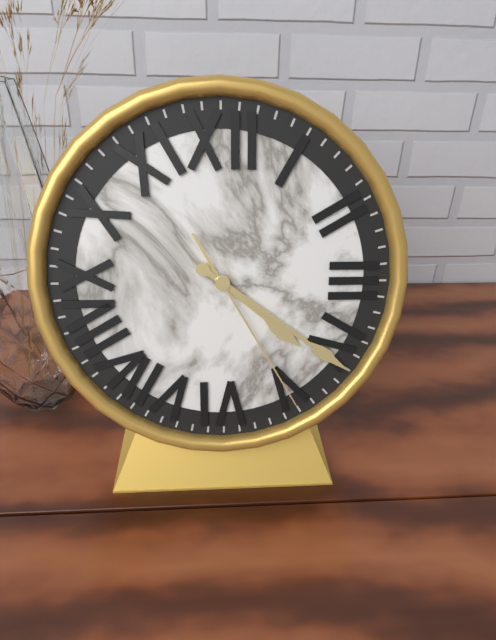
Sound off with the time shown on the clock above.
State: 4:21:25
